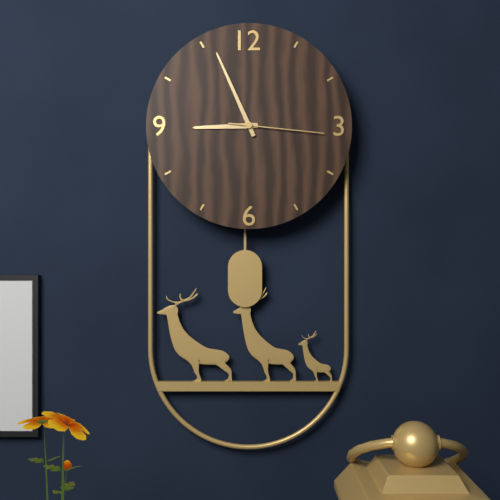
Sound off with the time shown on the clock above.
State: 8:56:16
